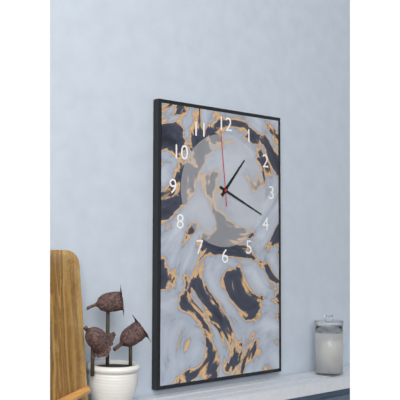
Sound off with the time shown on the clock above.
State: 1:19:59
